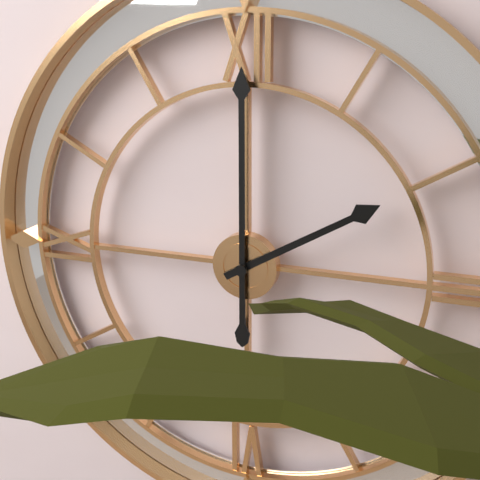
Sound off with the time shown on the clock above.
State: 2:00
